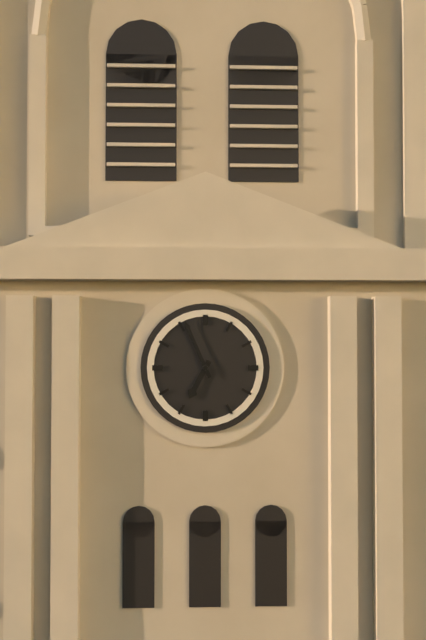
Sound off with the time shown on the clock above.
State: 6:56
